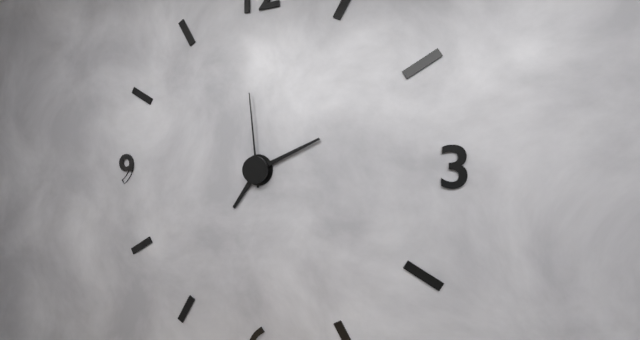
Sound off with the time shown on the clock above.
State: 7:11:59
